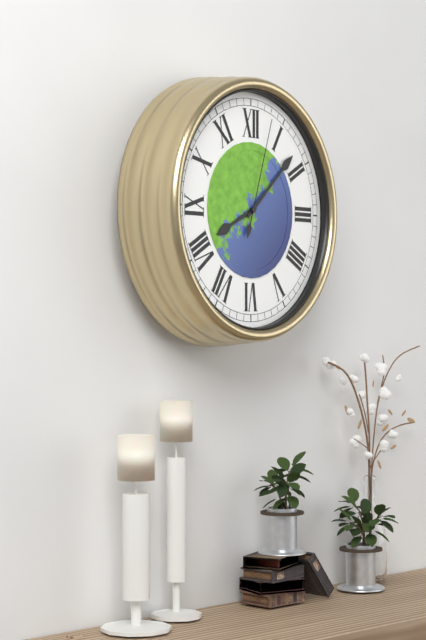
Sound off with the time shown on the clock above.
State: 8:08:03
